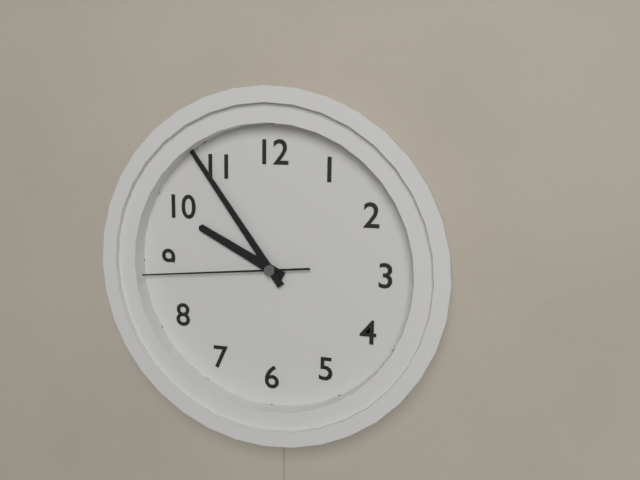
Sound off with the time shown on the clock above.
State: 9:54:44
